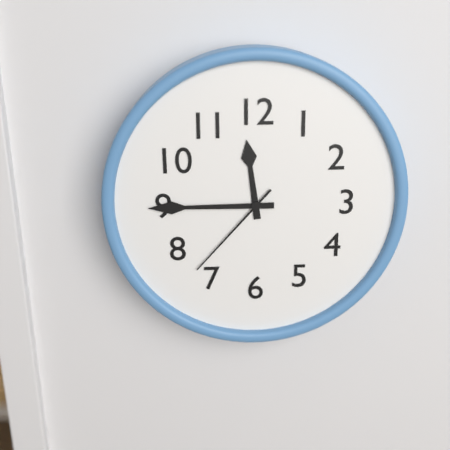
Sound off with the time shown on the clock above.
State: 11:45:37
